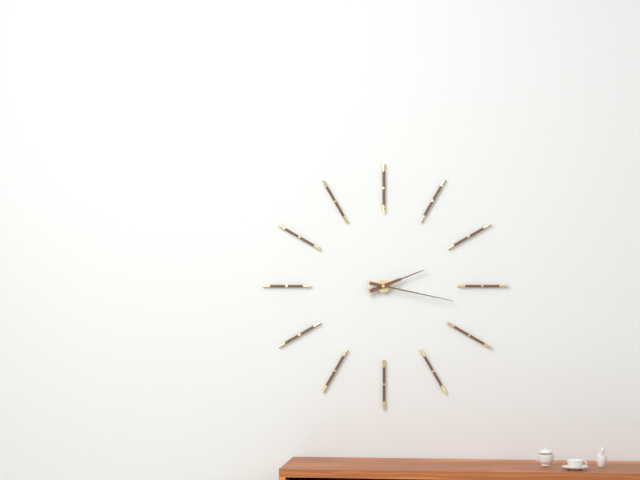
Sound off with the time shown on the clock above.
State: 2:17
